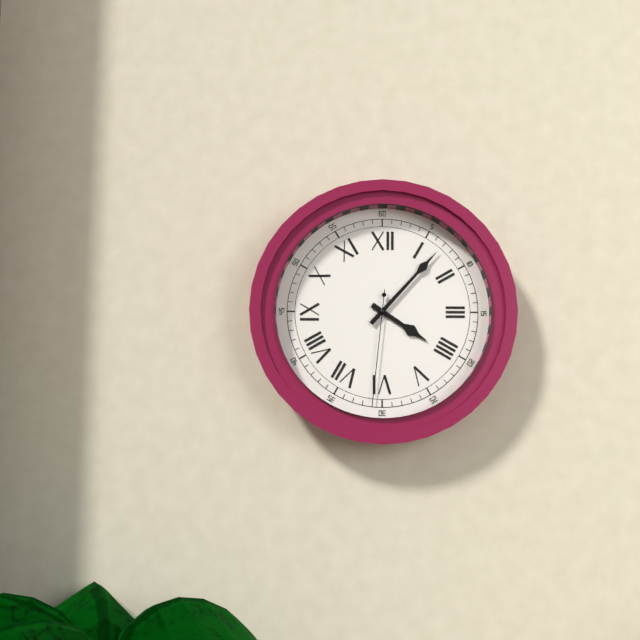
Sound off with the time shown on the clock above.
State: 4:07:31
